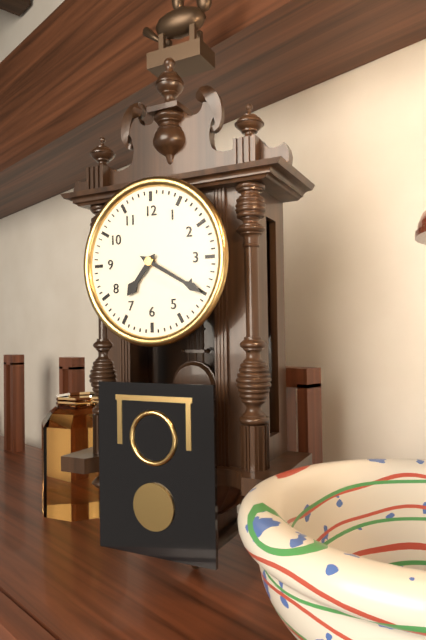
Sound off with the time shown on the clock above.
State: 7:20
